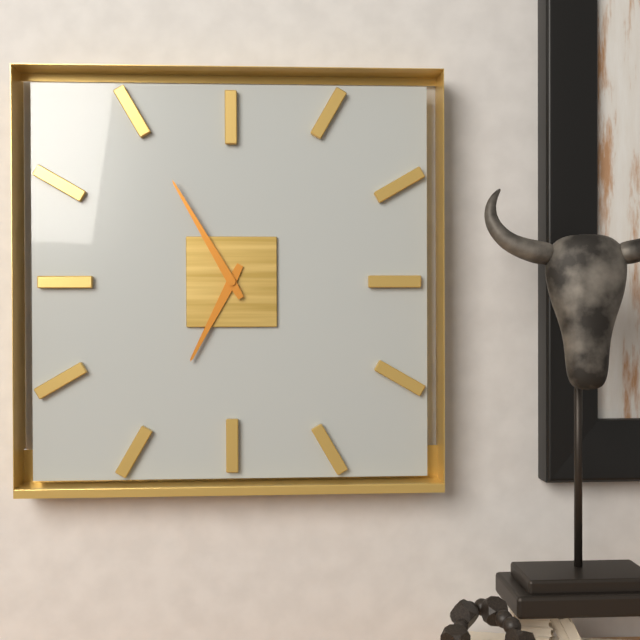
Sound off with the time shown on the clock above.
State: 6:55
